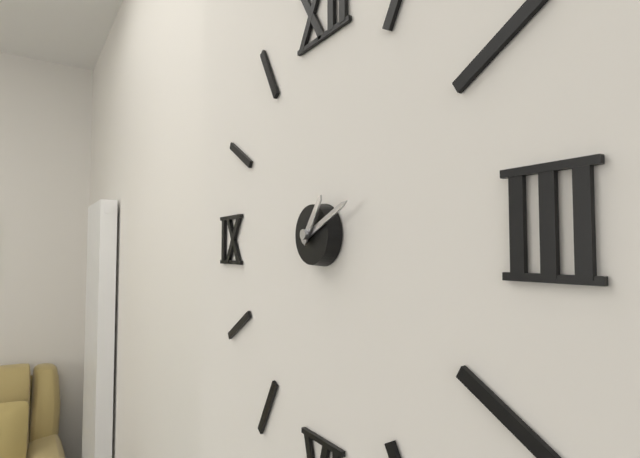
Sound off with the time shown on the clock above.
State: 1:11
